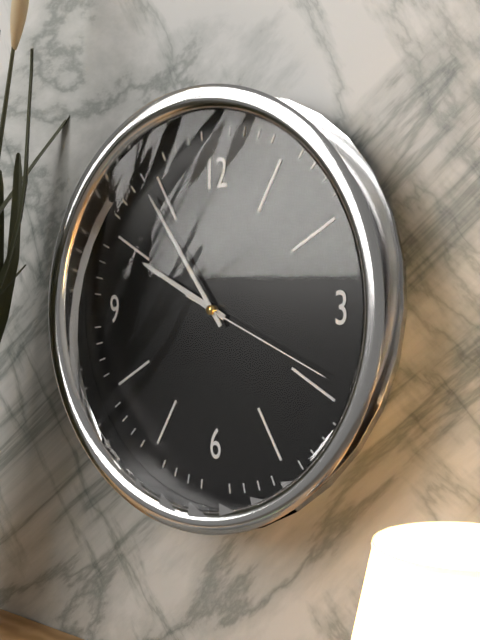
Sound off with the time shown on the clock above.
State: 9:54:19
